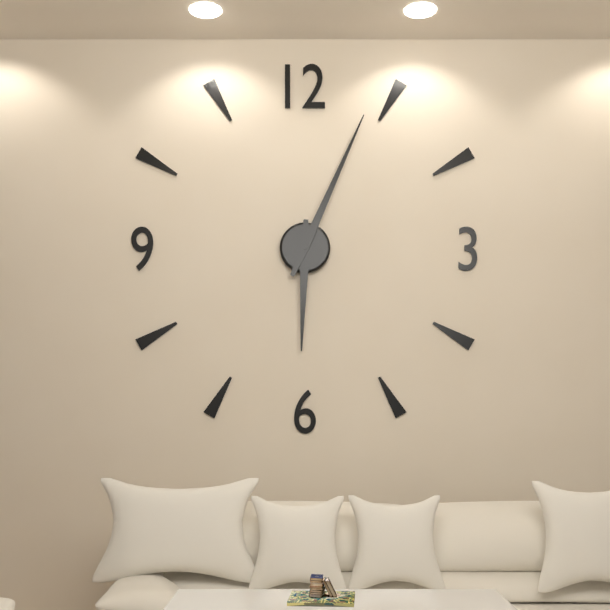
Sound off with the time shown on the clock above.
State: 6:04
